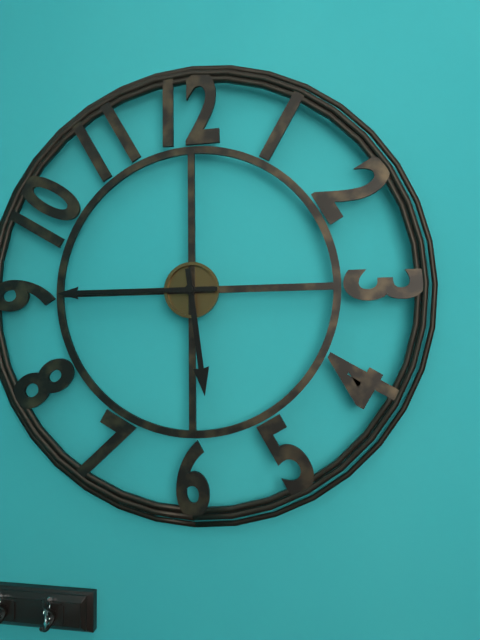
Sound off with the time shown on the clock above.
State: 5:45
